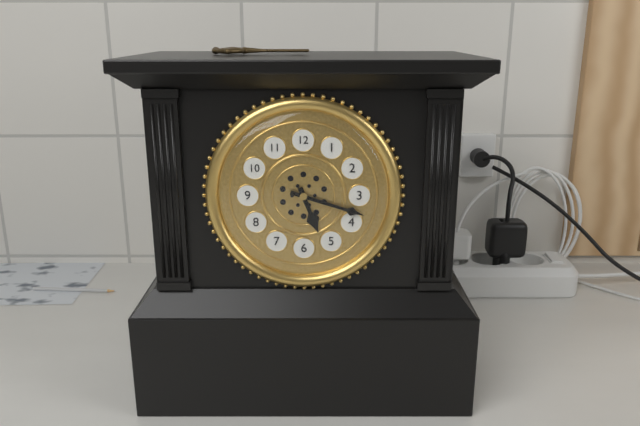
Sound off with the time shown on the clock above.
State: 5:18
